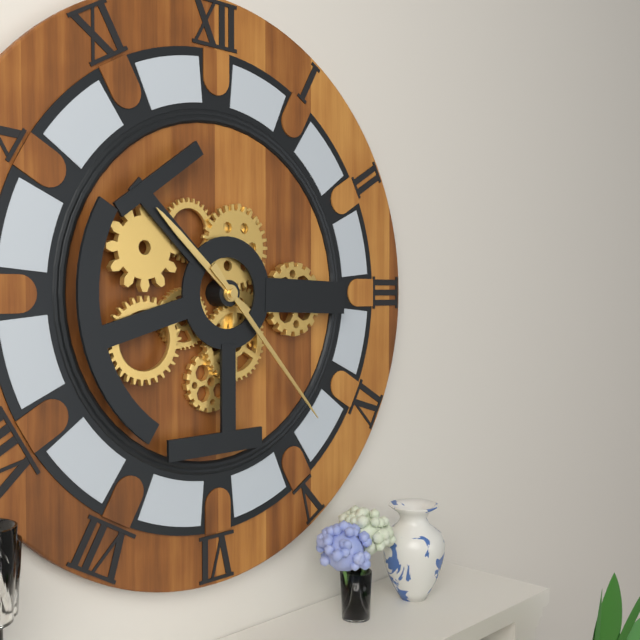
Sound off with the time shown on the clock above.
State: 10:23
